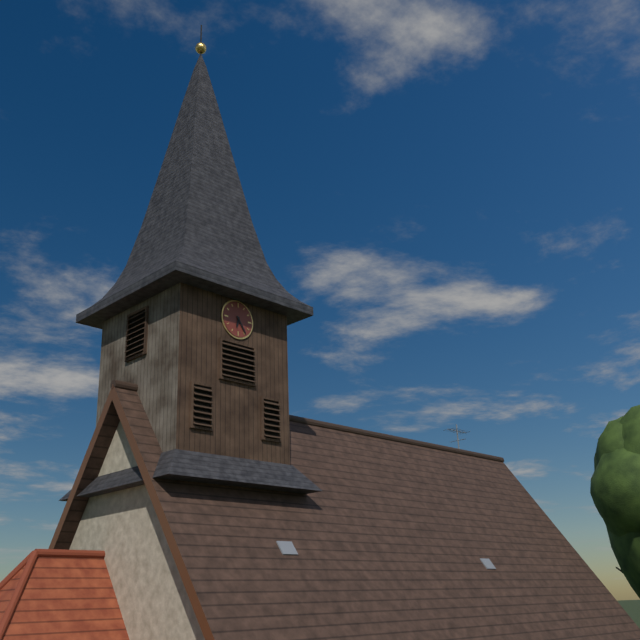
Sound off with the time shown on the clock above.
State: 6:24
